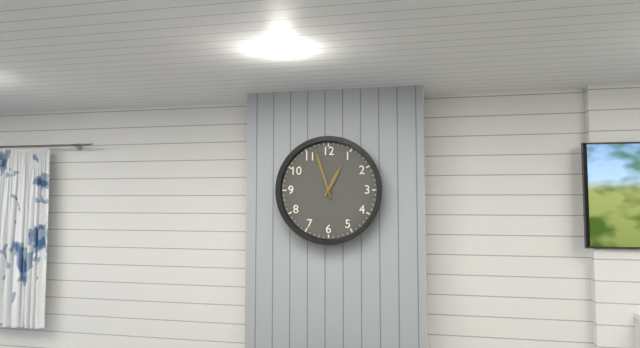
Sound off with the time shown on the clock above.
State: 12:57
